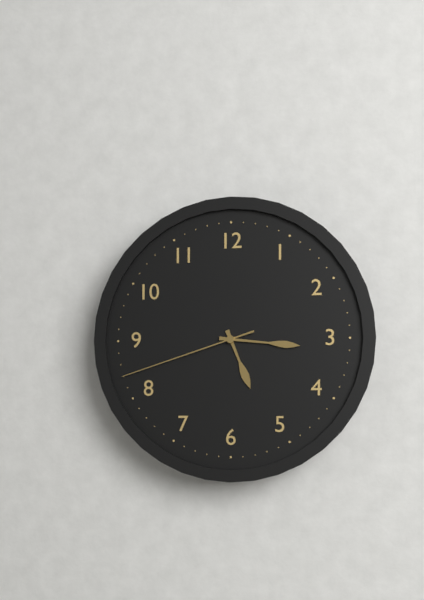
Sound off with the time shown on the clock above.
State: 5:16:42
